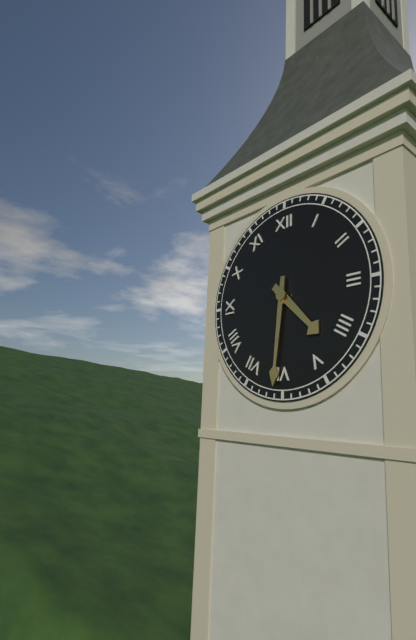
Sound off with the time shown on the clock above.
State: 4:31
